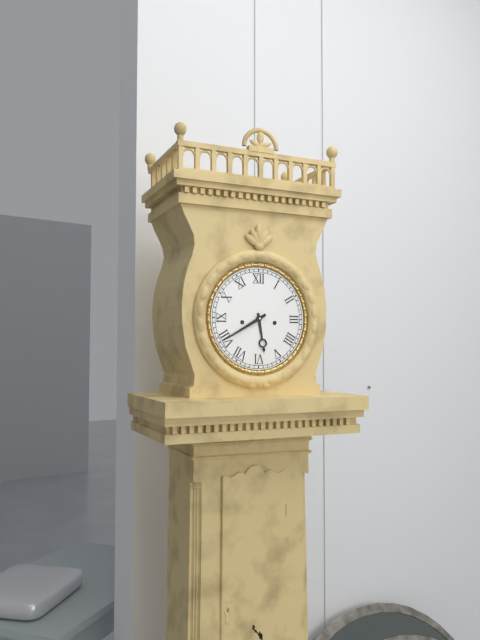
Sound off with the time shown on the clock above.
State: 5:40
